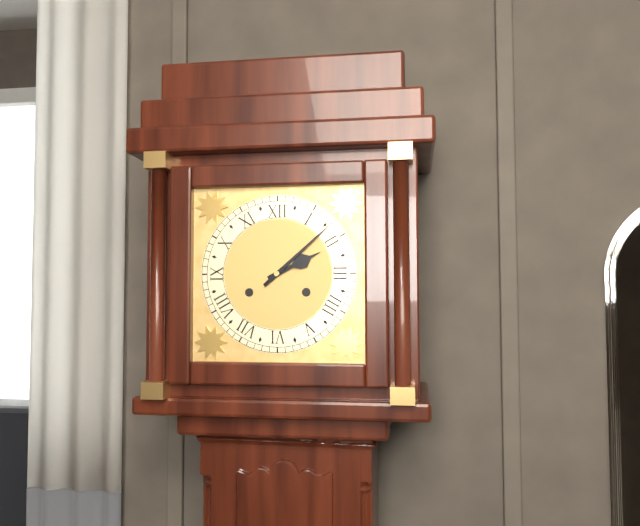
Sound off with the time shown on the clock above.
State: 2:08
